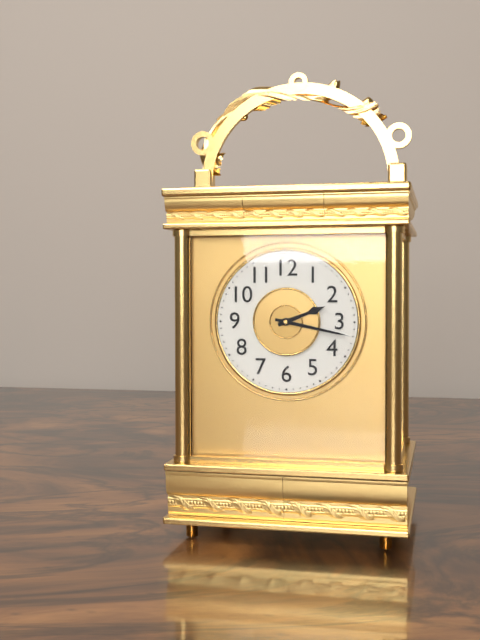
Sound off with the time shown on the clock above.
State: 2:17
